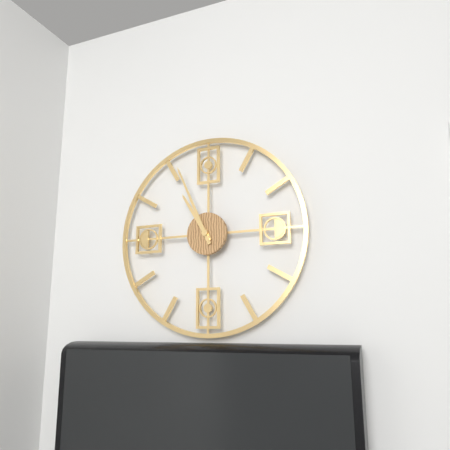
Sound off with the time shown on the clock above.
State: 10:56
